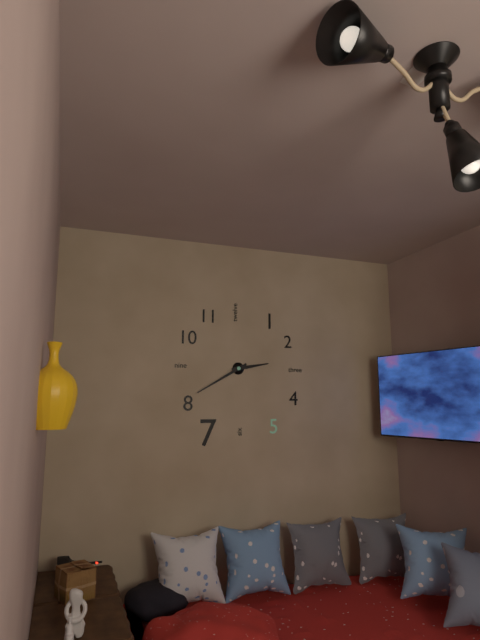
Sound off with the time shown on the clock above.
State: 2:40
